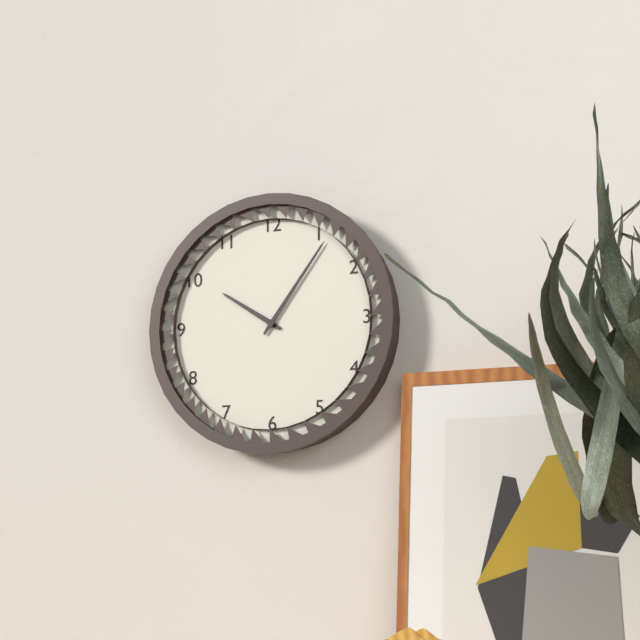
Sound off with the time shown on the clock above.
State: 10:06
